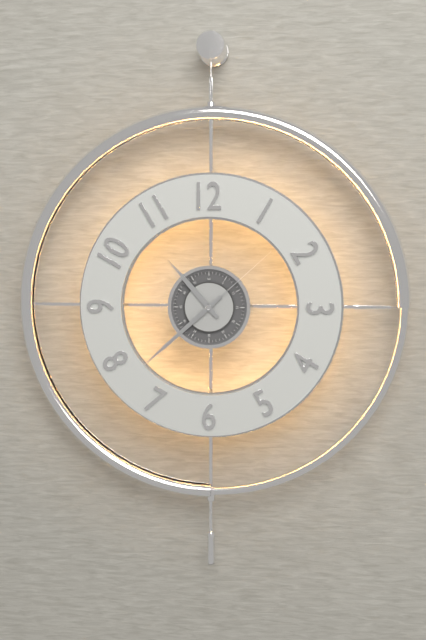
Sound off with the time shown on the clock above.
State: 10:38:08
